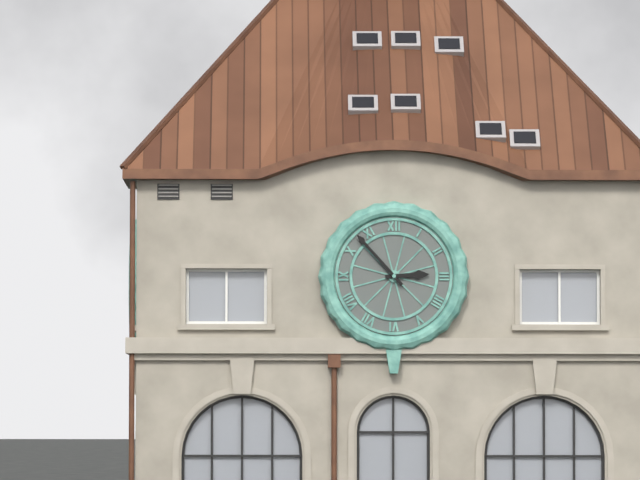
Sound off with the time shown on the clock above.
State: 2:53
